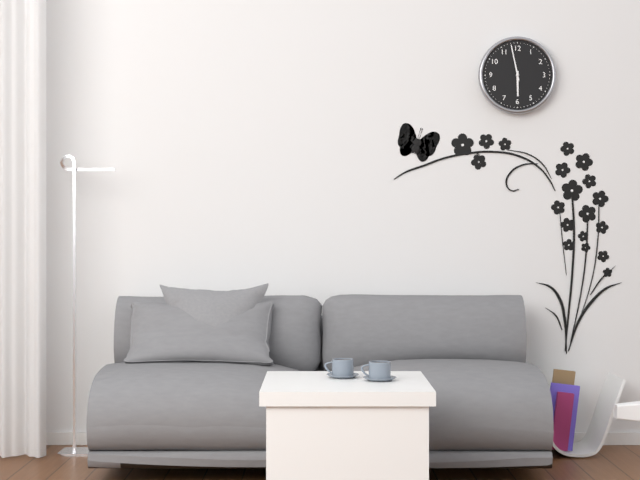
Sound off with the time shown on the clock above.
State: 5:58
